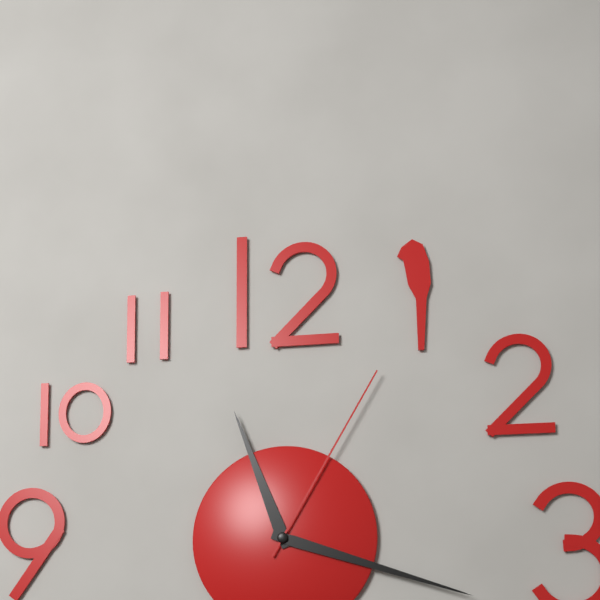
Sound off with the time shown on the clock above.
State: 11:18:05
